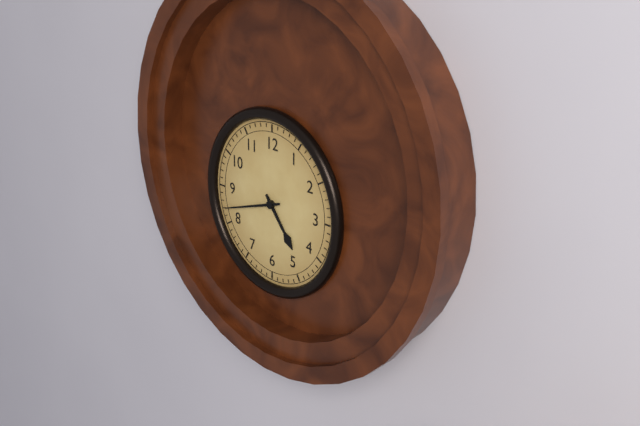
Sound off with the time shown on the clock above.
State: 4:42
